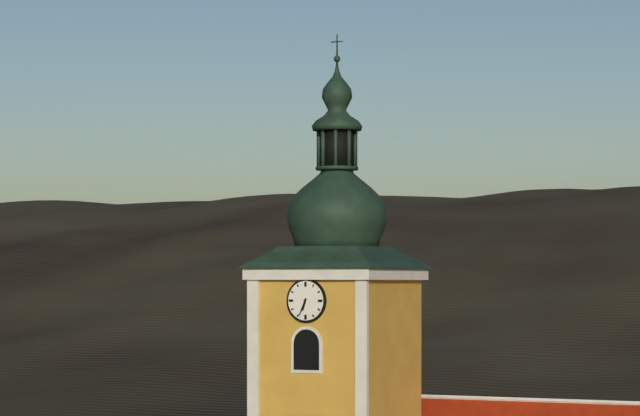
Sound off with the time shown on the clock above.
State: 6:34
